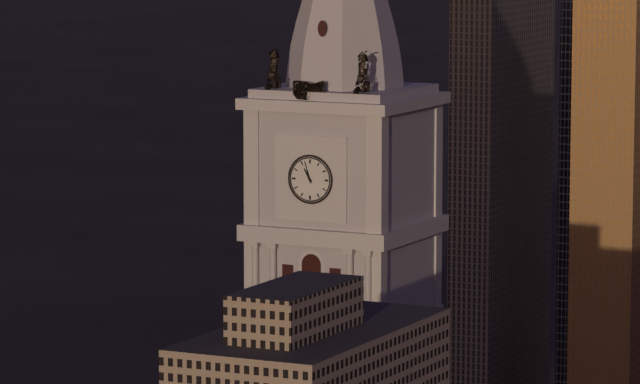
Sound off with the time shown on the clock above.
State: 10:57
